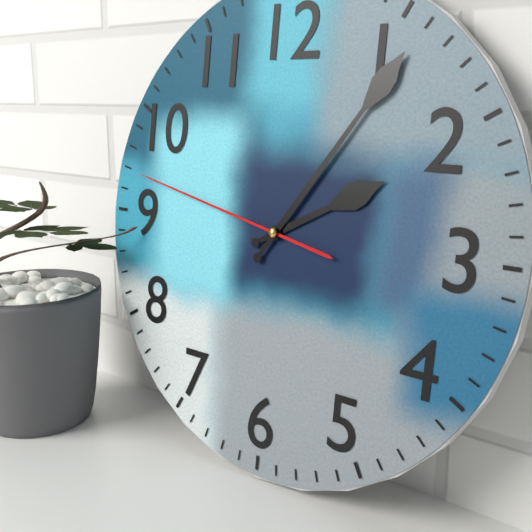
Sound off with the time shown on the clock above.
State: 2:06:47
